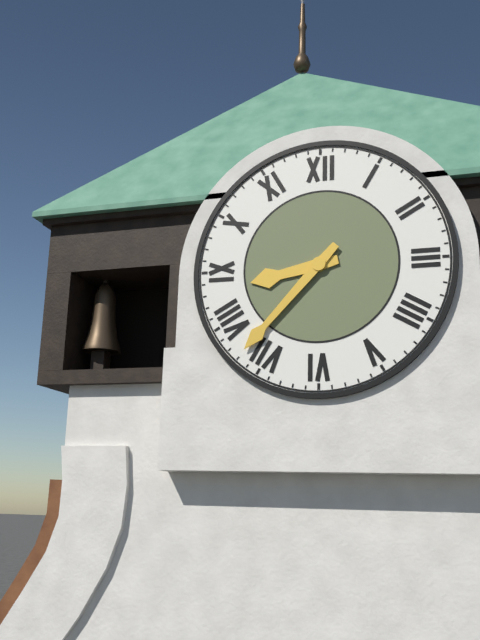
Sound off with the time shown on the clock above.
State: 8:37
